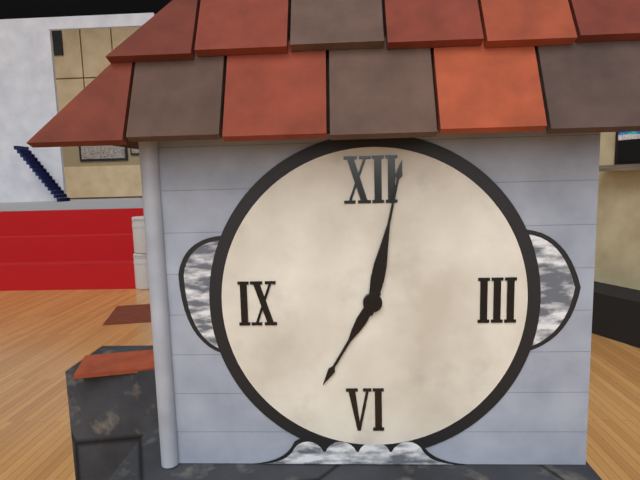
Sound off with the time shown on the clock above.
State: 7:02
